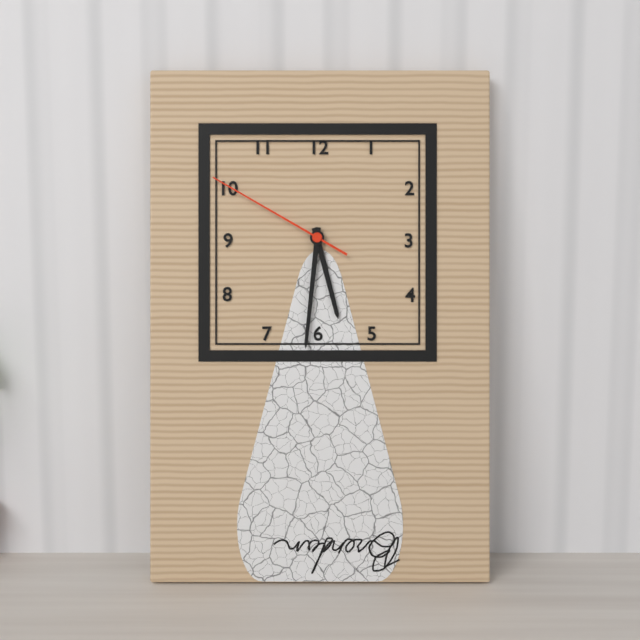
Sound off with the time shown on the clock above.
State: 5:31:50
